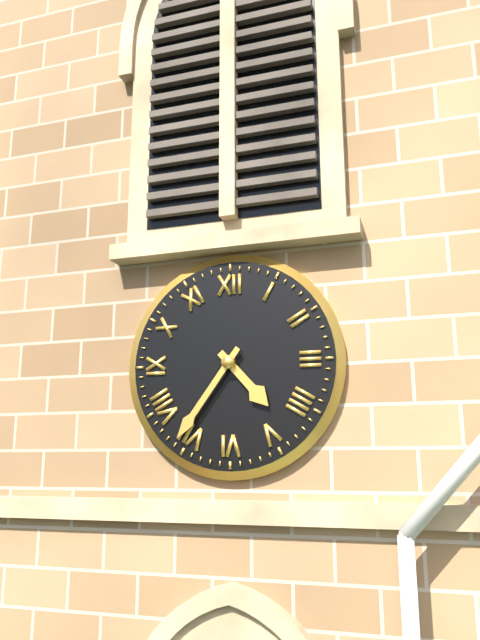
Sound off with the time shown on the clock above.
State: 4:36
